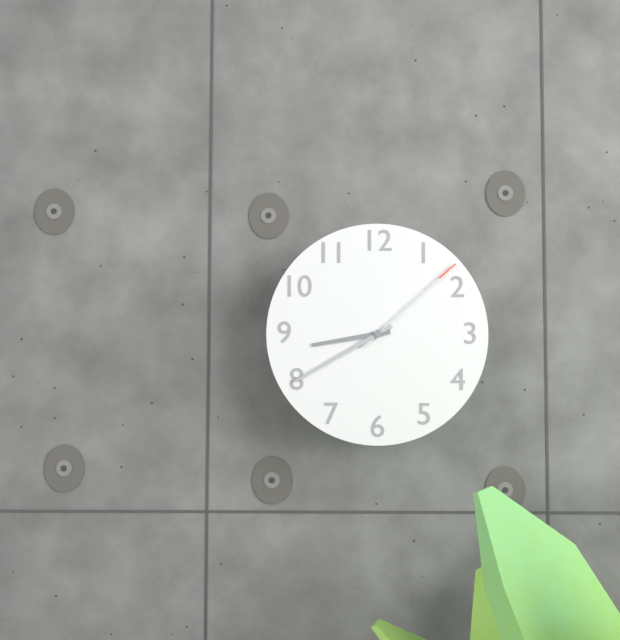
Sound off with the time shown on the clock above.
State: 8:40:08
